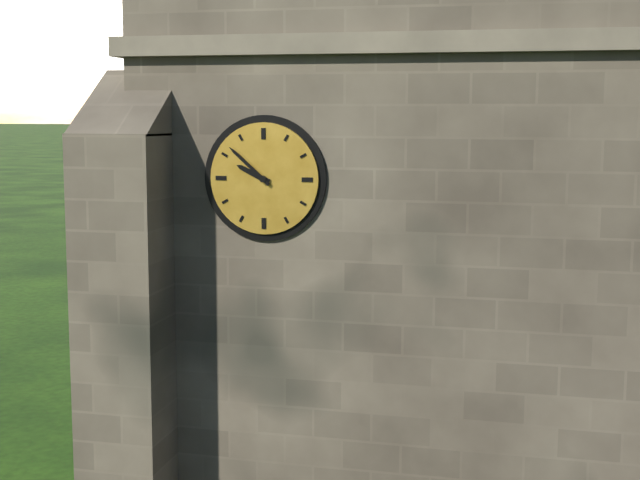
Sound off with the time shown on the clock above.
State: 9:52
